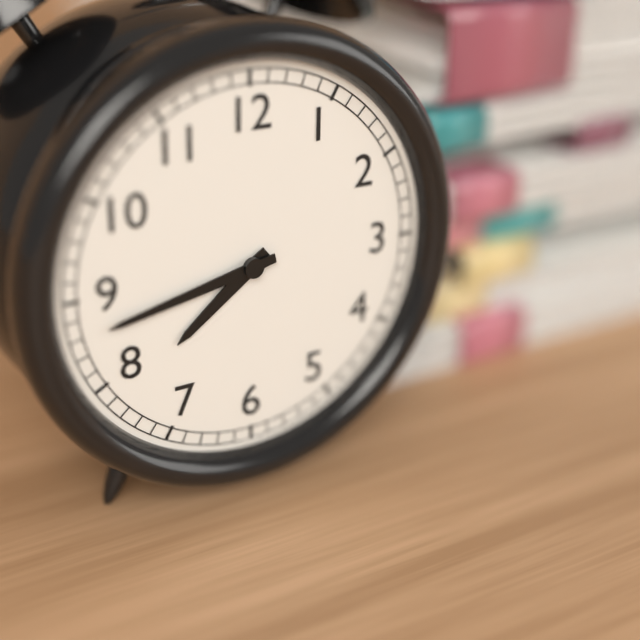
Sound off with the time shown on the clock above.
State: 7:43
